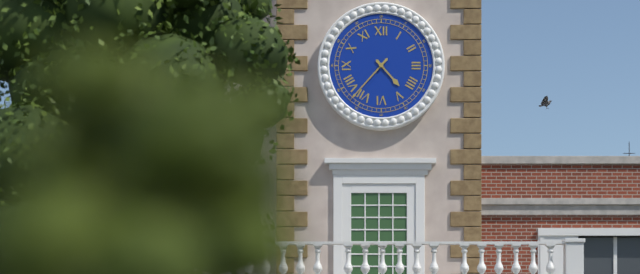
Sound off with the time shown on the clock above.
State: 4:37
